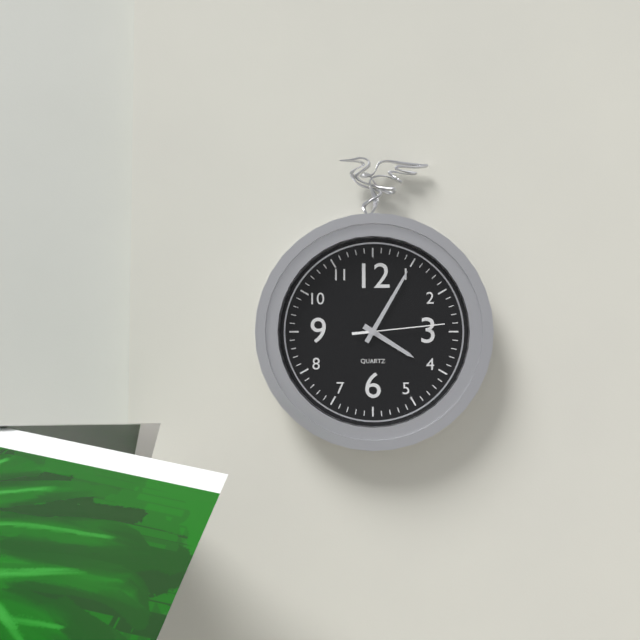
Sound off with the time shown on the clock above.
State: 4:05:14
